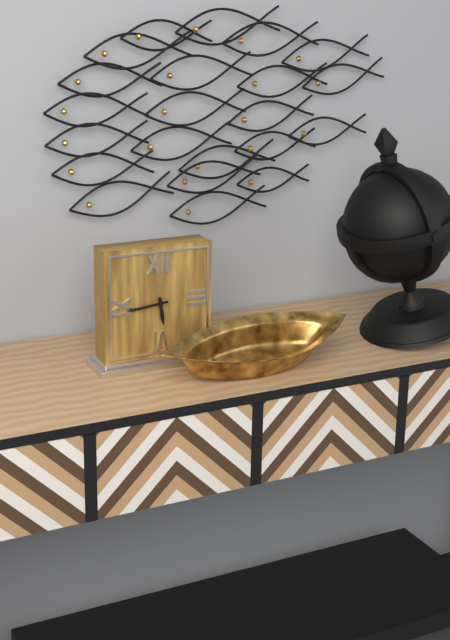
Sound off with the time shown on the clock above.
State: 5:44
